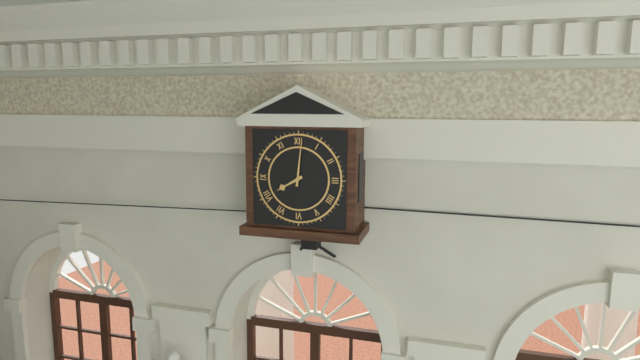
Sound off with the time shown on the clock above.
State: 8:01
